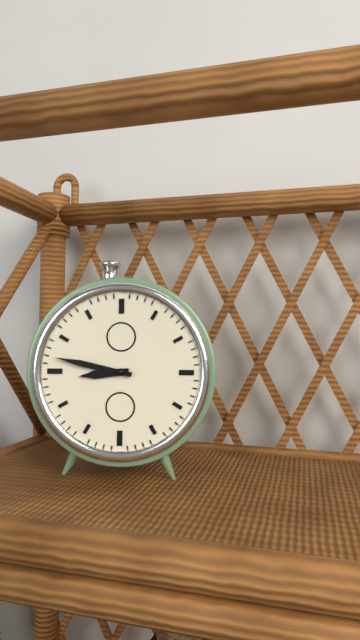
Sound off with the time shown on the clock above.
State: 8:47
